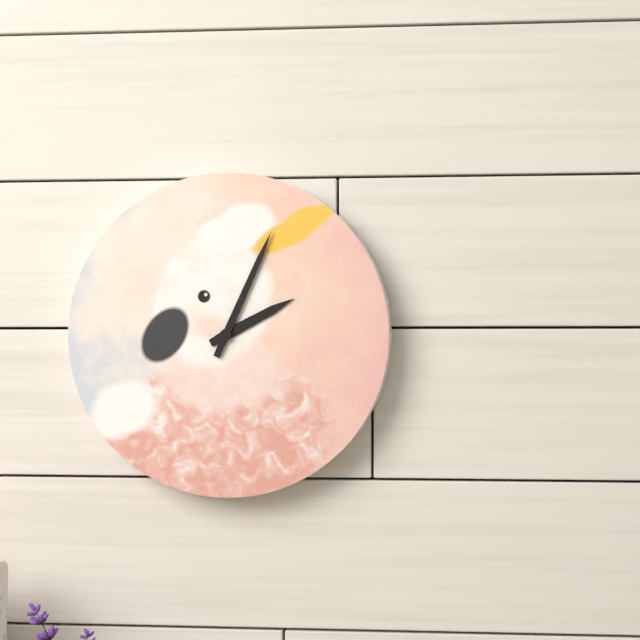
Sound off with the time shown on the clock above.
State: 2:04
